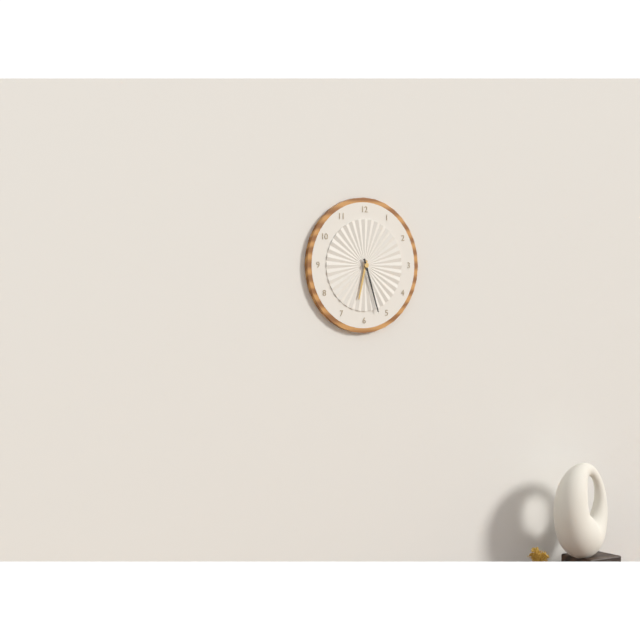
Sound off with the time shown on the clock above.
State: 6:27
